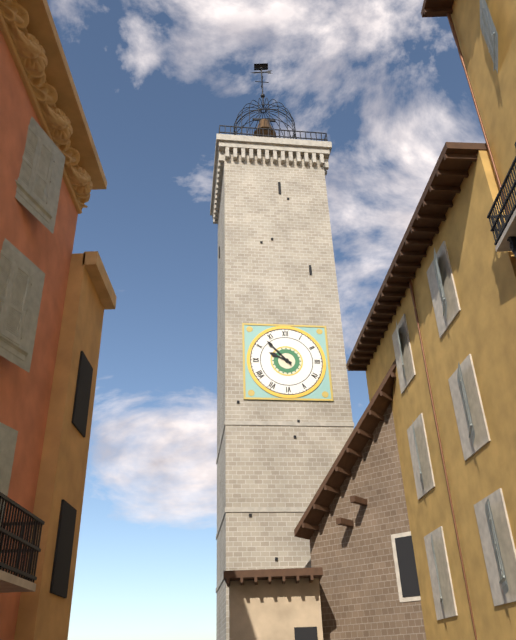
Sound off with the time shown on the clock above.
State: 9:53
